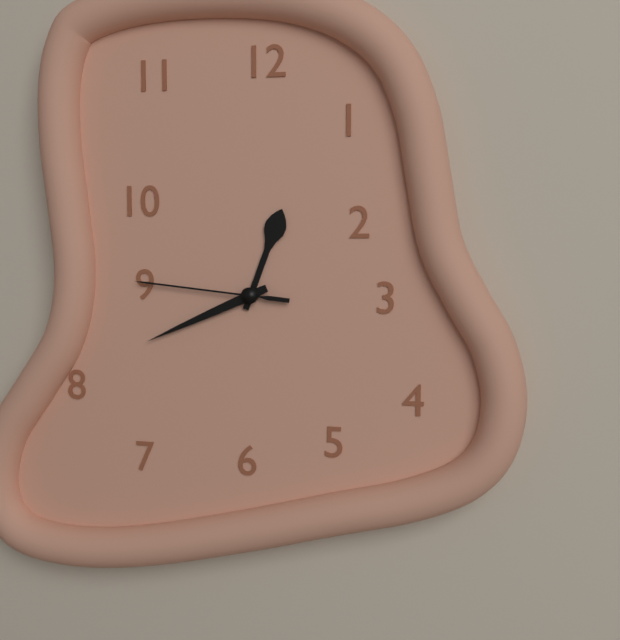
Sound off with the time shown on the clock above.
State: 12:41:46
